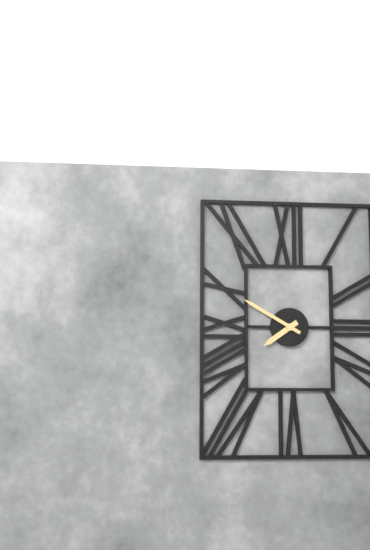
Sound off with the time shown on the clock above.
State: 7:50
